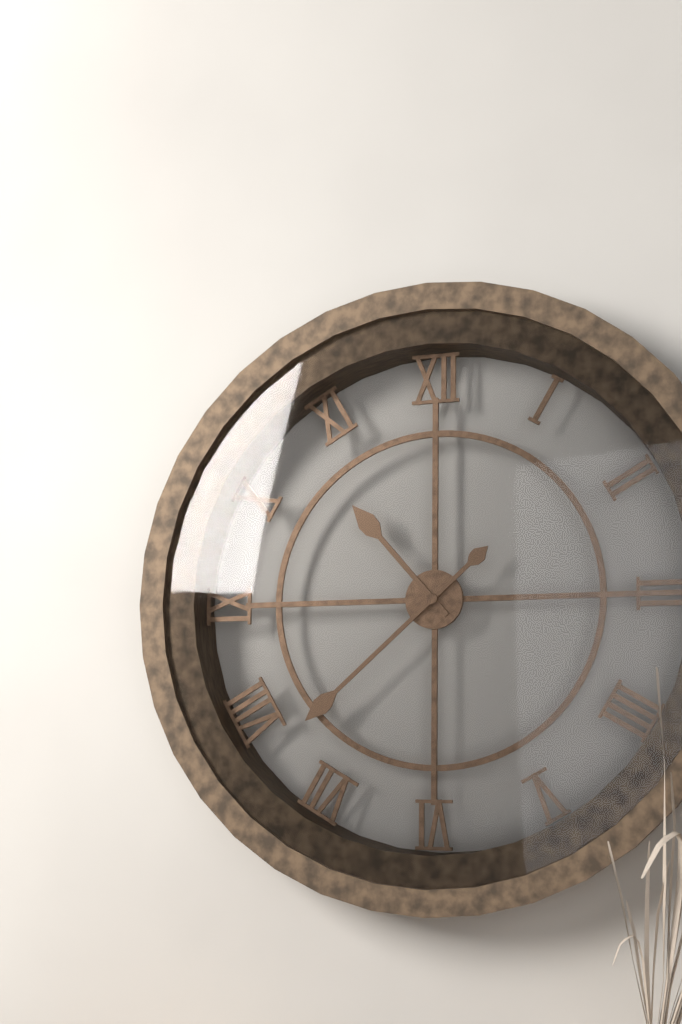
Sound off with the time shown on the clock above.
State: 10:38
